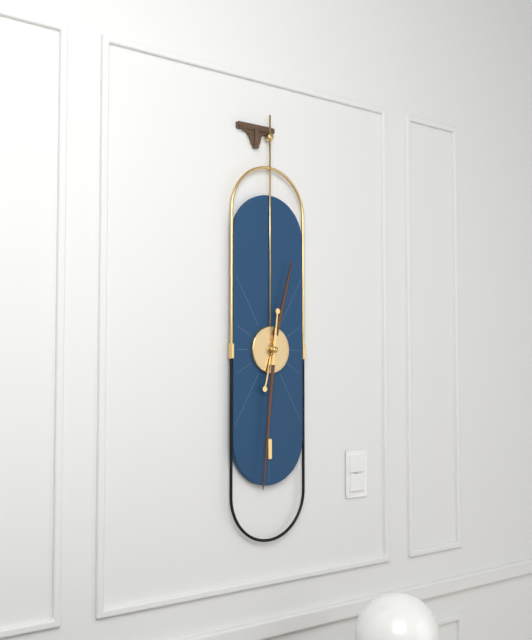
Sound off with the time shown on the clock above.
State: 12:31
